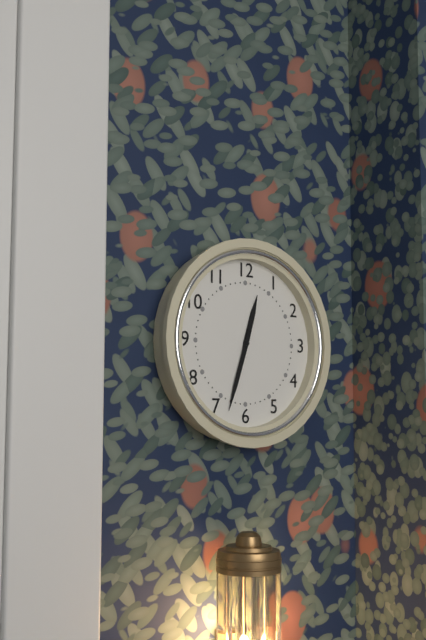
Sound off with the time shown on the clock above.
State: 12:33
